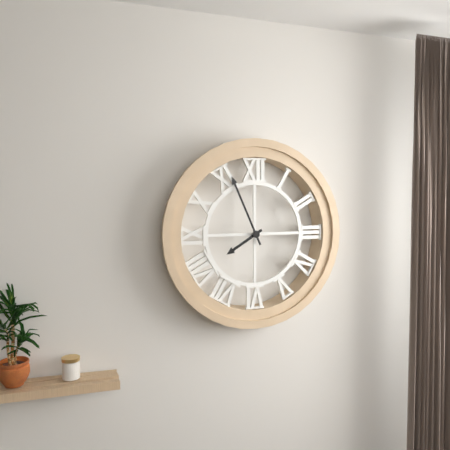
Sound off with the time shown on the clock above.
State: 7:56
